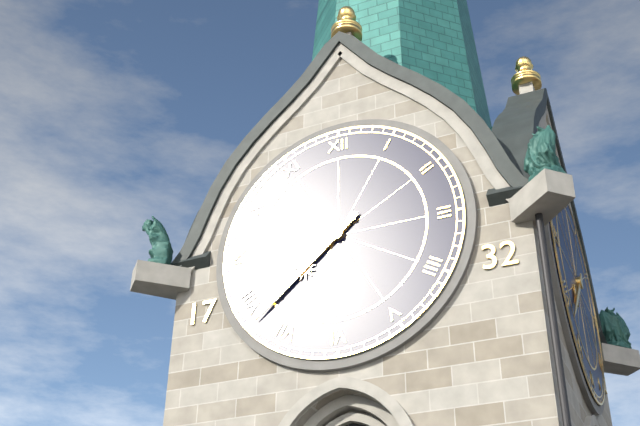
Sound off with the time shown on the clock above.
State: 7:38
